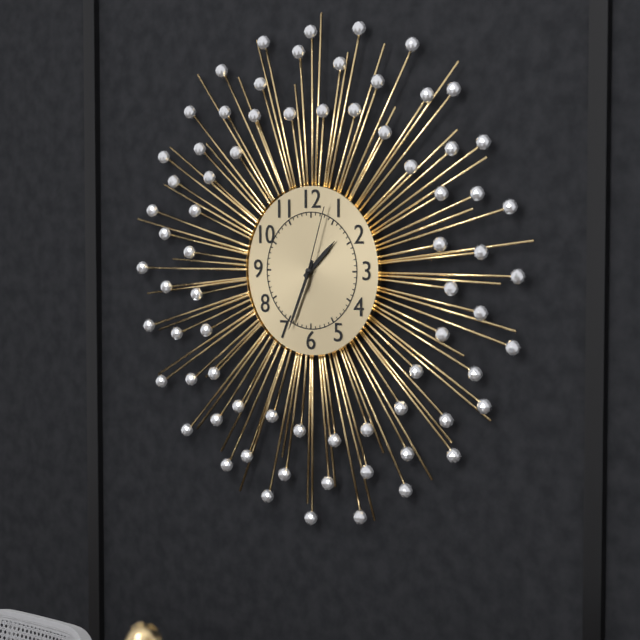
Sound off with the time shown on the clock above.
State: 1:34:03
